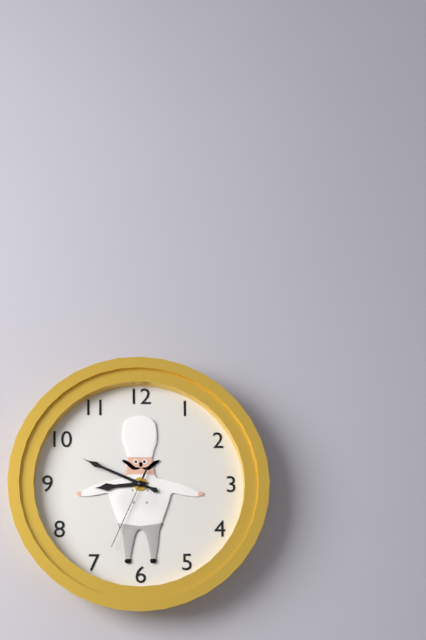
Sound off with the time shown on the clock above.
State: 8:49:34
